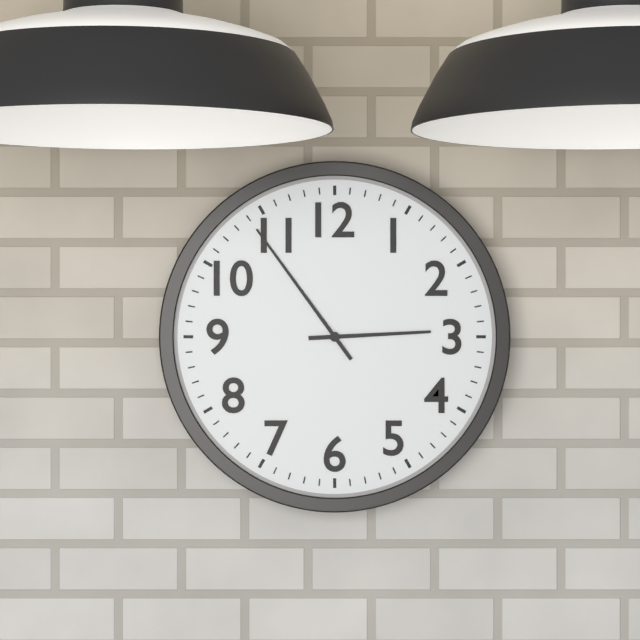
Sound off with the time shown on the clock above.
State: 2:54
